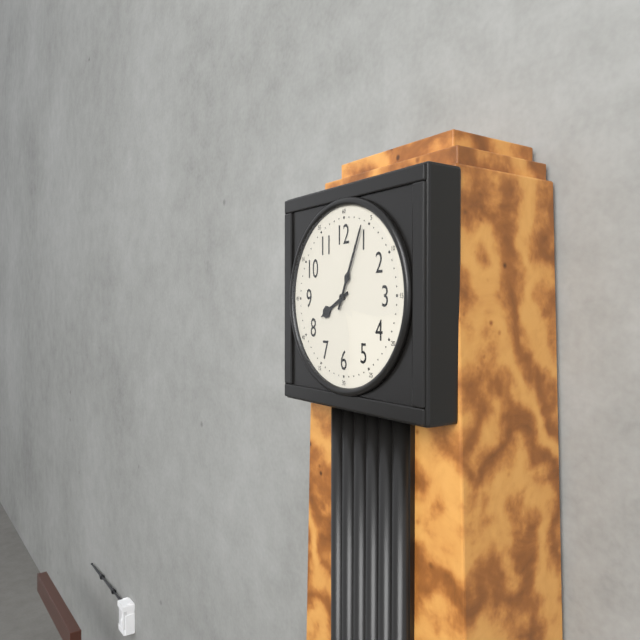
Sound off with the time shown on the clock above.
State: 8:04
